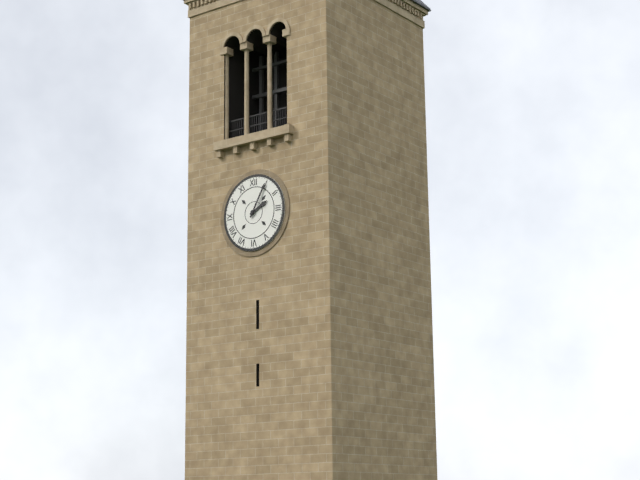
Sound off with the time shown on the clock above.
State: 2:05
